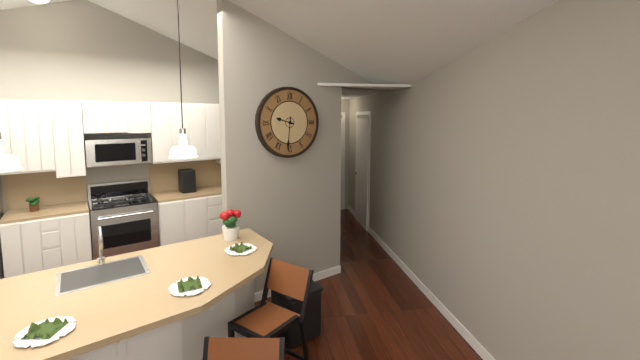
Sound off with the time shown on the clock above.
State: 9:31
